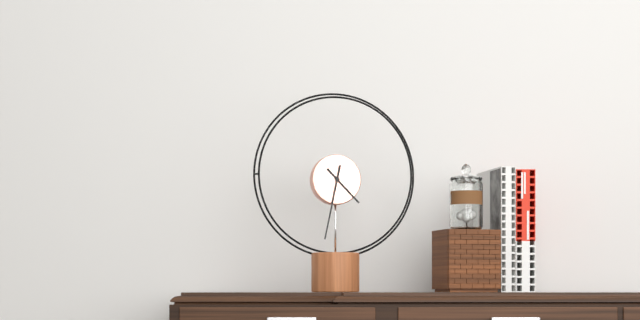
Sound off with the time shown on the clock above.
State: 4:32
